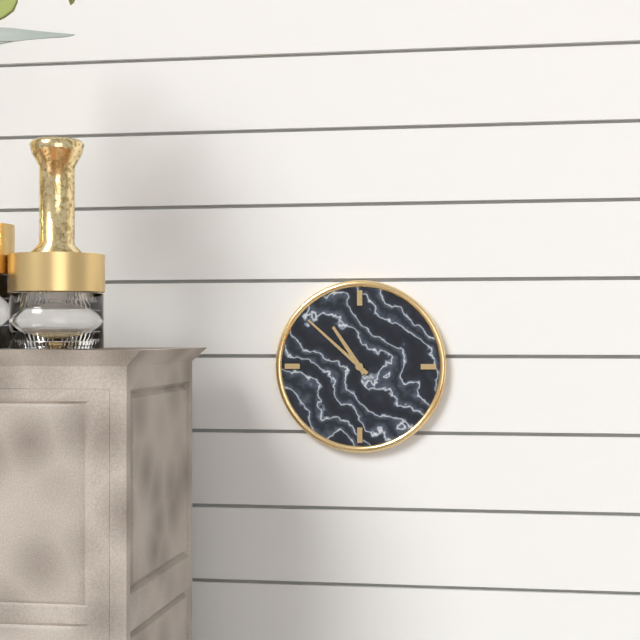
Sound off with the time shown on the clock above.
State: 10:52
